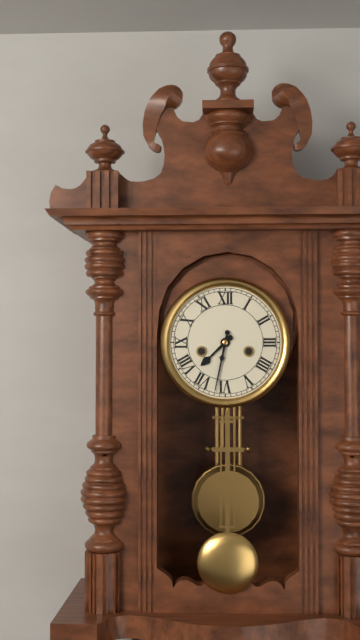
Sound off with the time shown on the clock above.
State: 7:32
